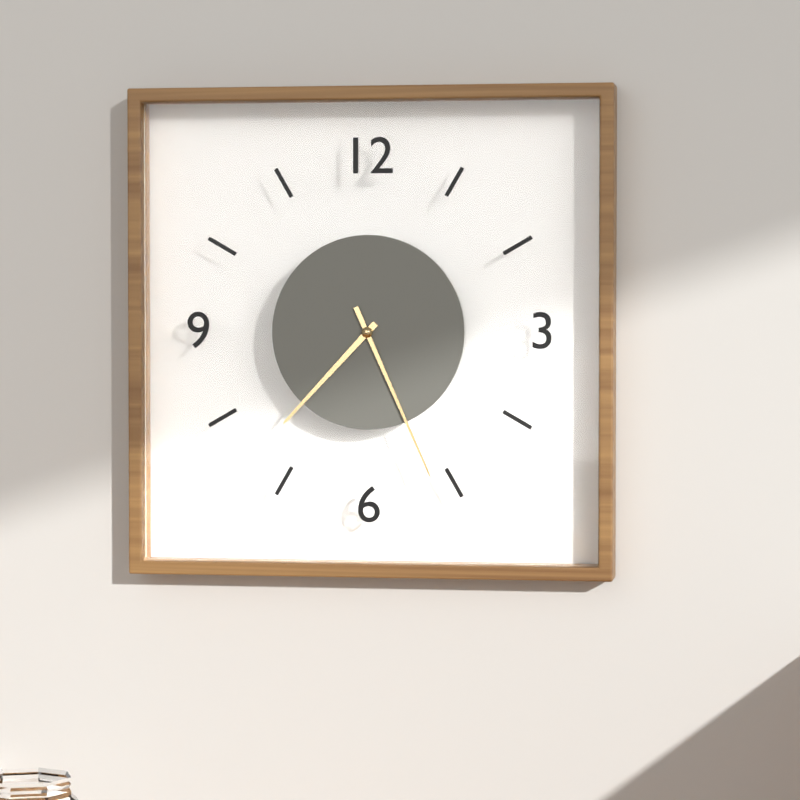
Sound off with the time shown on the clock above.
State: 7:26
